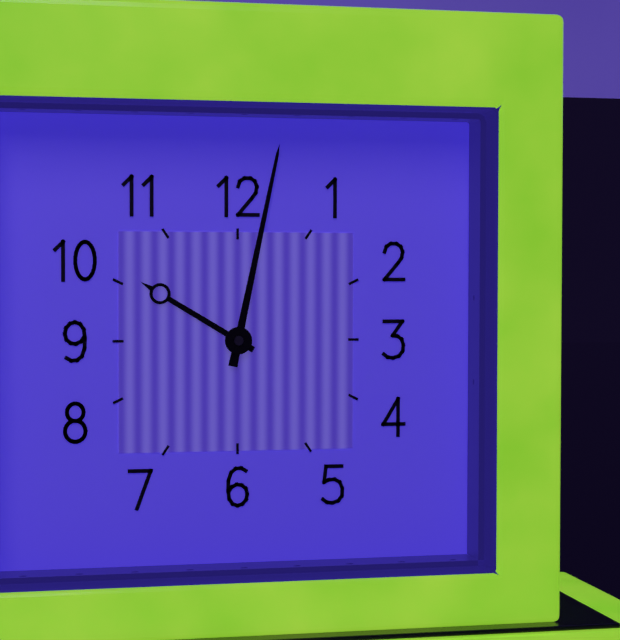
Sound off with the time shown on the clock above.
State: 10:02
